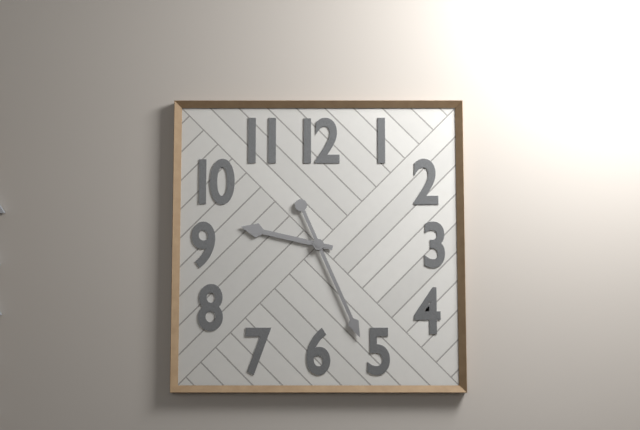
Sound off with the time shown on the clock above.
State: 9:26
